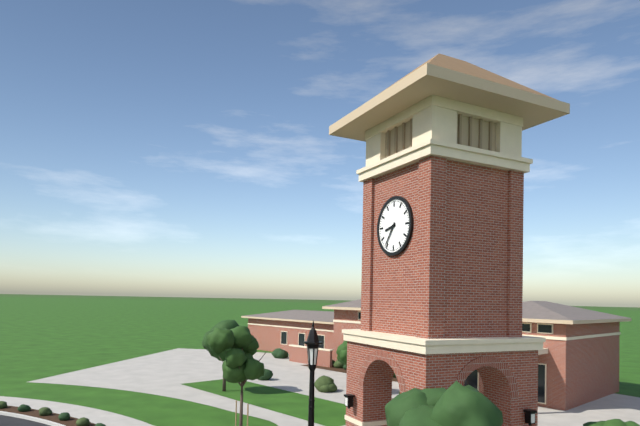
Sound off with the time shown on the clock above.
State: 8:36
